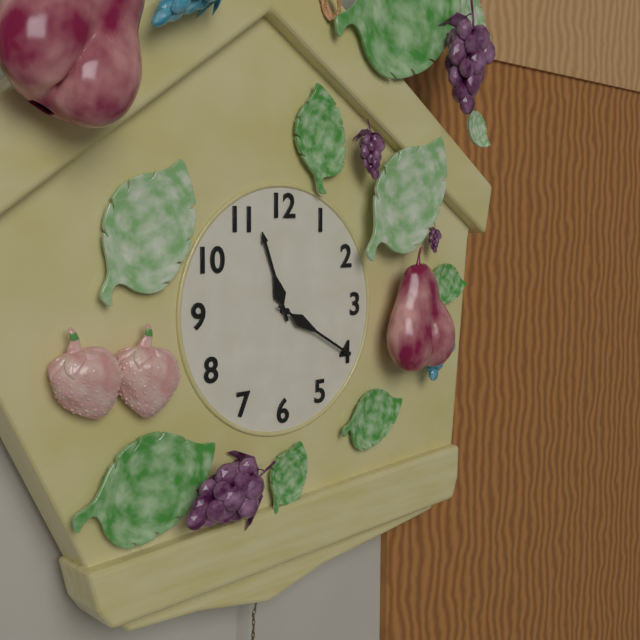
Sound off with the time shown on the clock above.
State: 11:20
